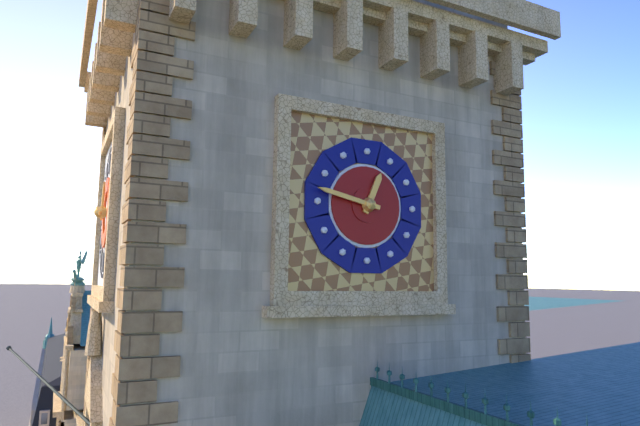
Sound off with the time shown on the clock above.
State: 12:47
